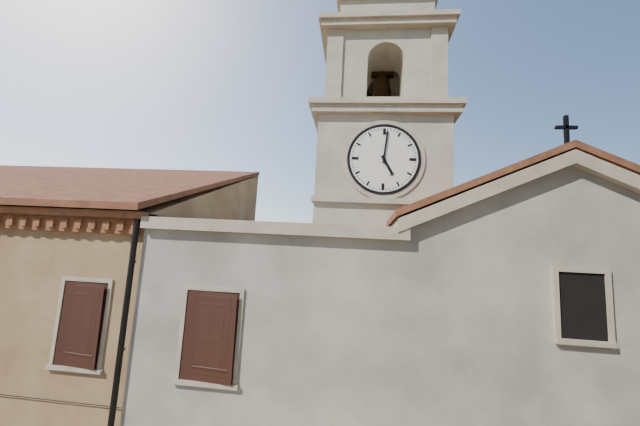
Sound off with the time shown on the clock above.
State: 5:01
